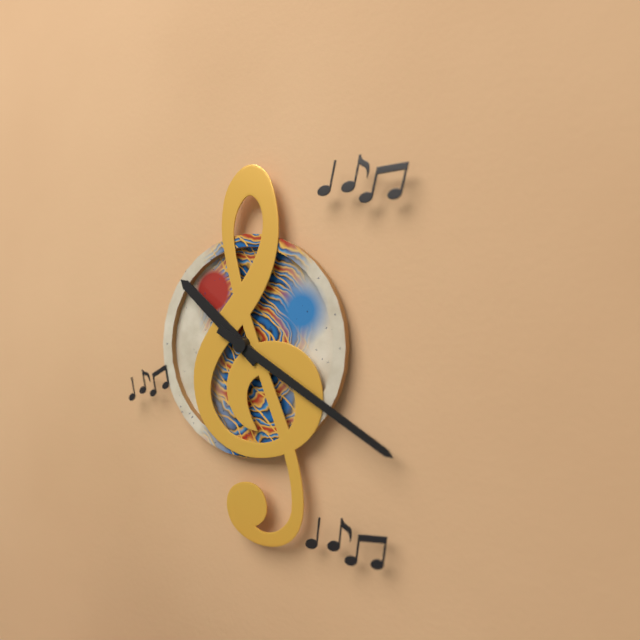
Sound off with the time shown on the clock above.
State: 10:20
